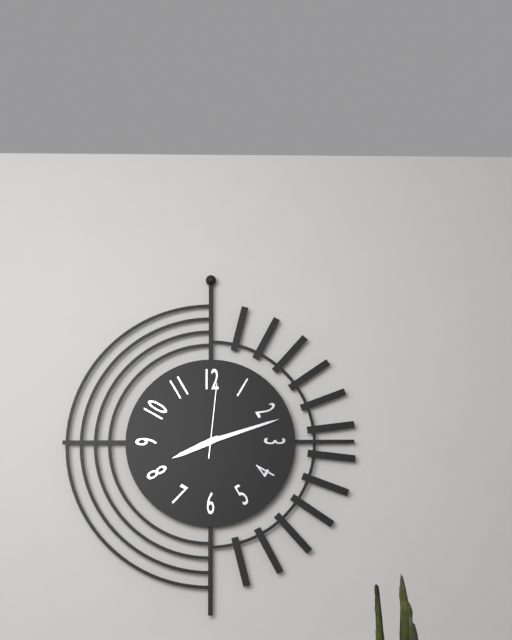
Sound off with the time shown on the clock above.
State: 8:12:01
